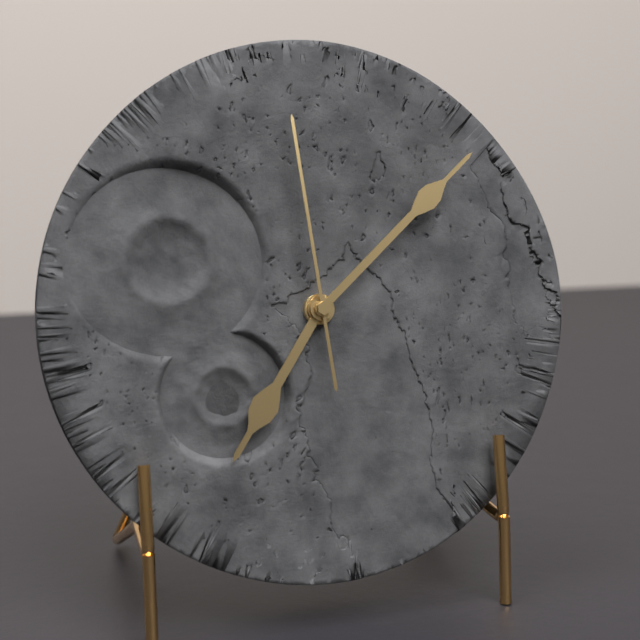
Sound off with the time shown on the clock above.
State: 7:08:59
